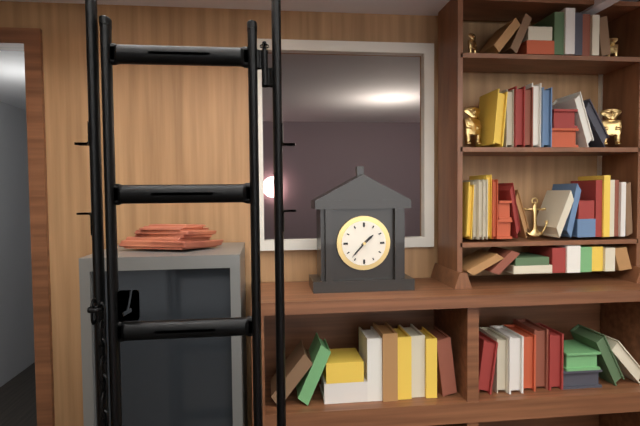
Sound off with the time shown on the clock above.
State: 1:37
